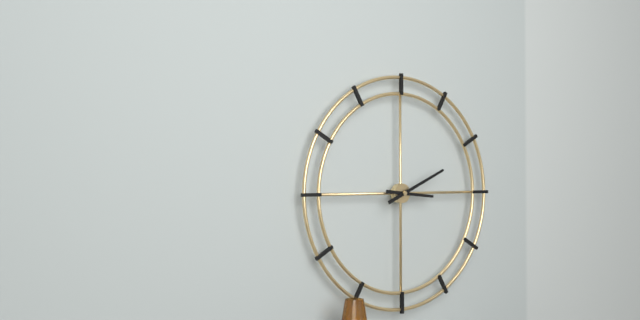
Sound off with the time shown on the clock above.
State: 3:11
